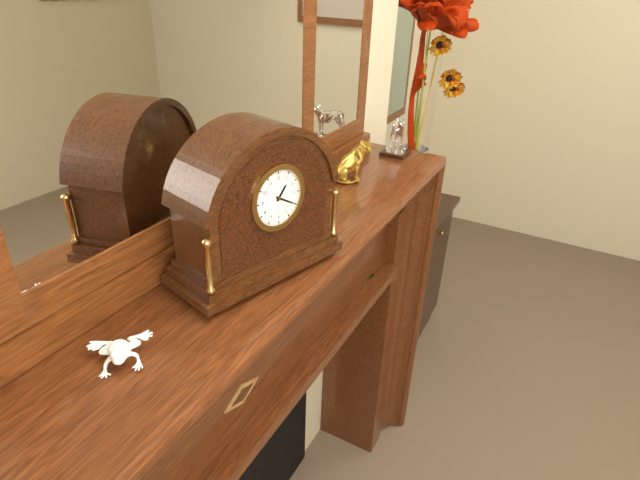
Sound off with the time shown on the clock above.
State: 1:20
